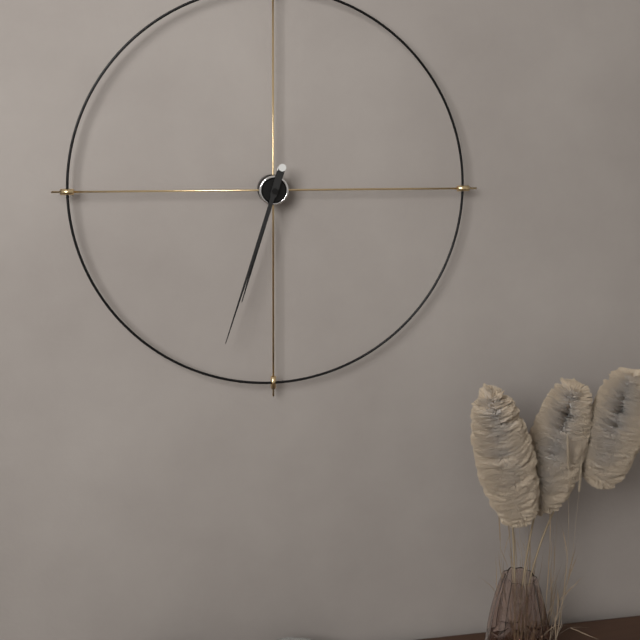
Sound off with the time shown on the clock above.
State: 6:33
